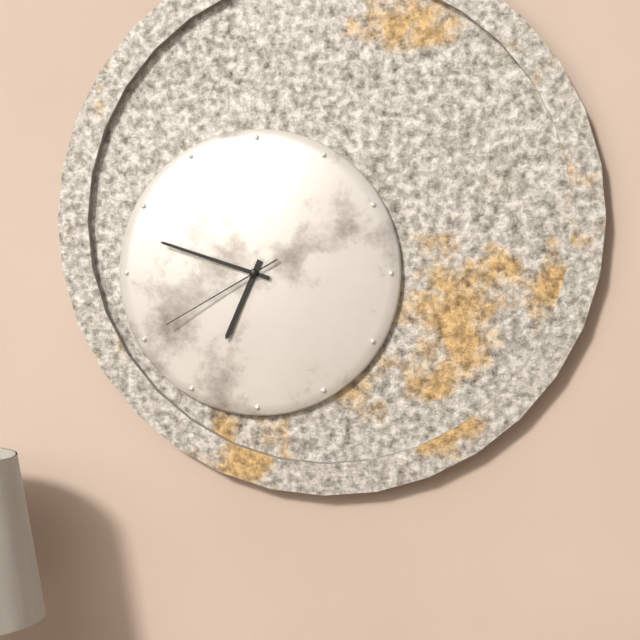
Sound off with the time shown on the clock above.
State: 6:48:40
